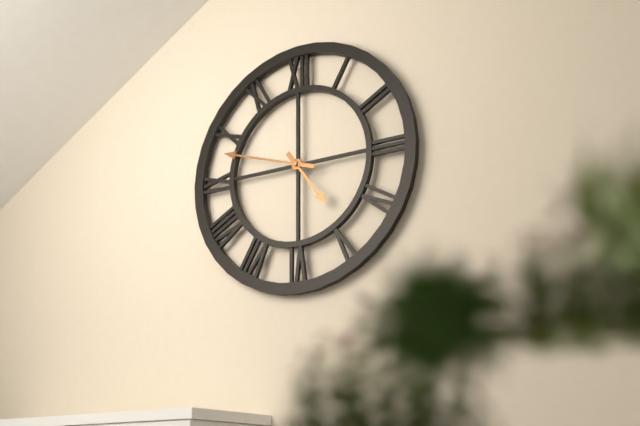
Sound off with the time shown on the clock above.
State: 4:48
